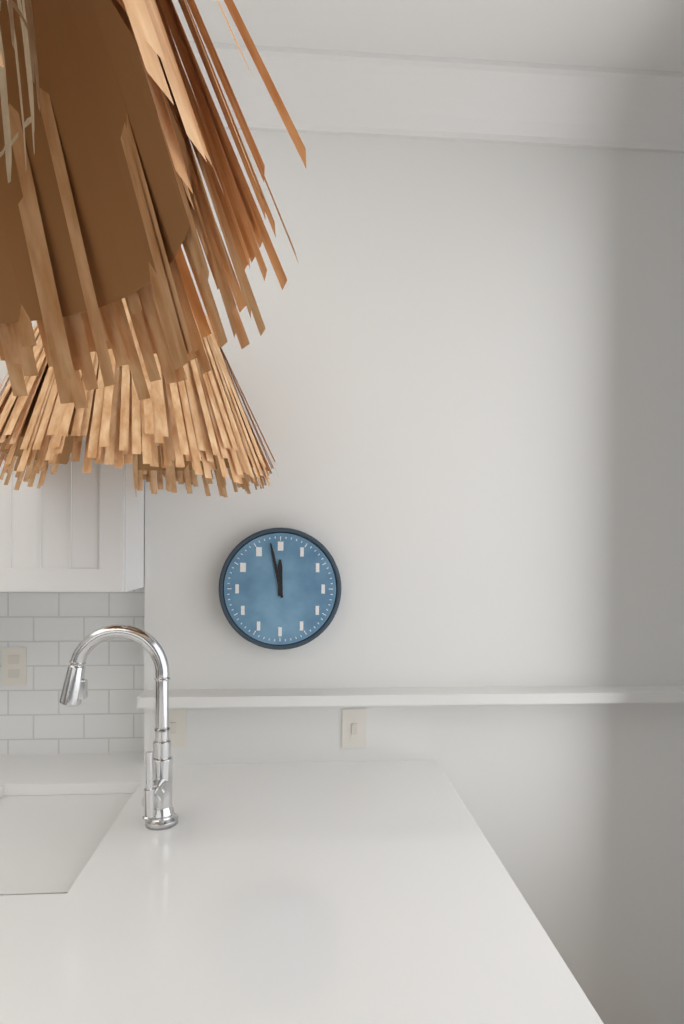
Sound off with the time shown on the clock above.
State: 11:58
